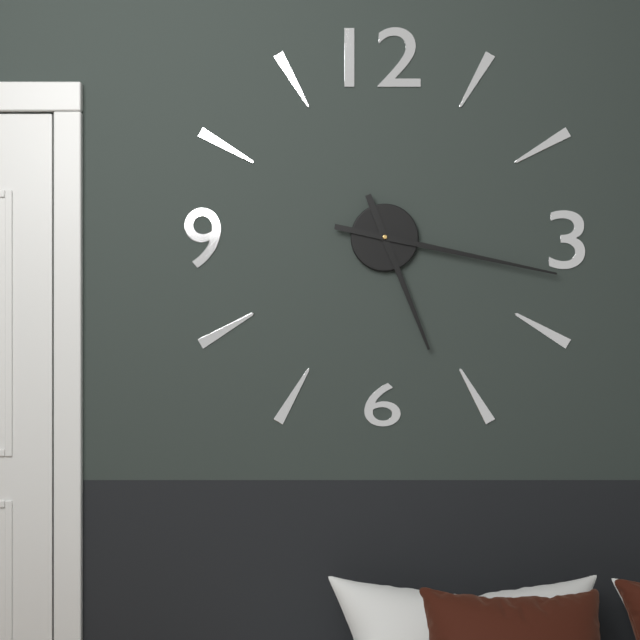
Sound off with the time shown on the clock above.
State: 5:17
